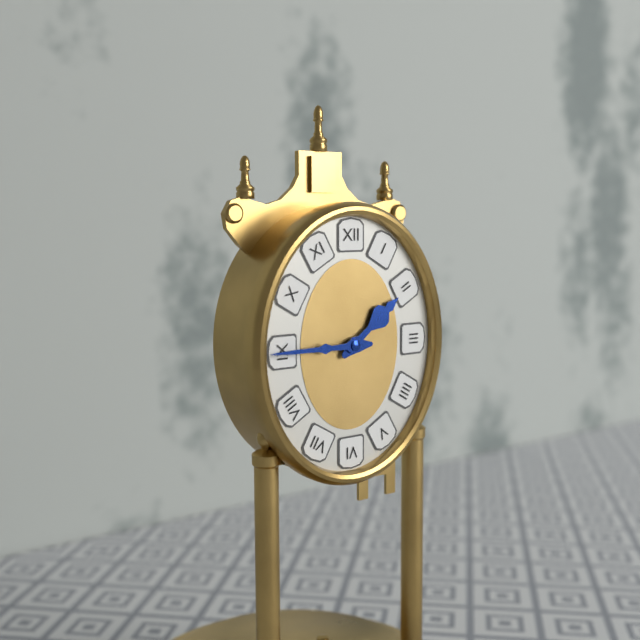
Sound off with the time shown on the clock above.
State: 1:45
